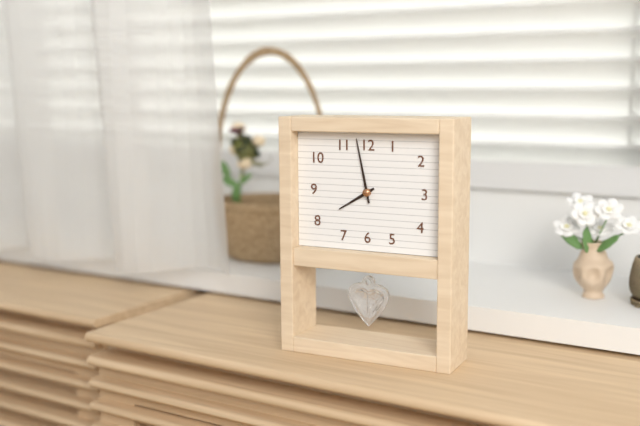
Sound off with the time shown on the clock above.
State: 7:58
